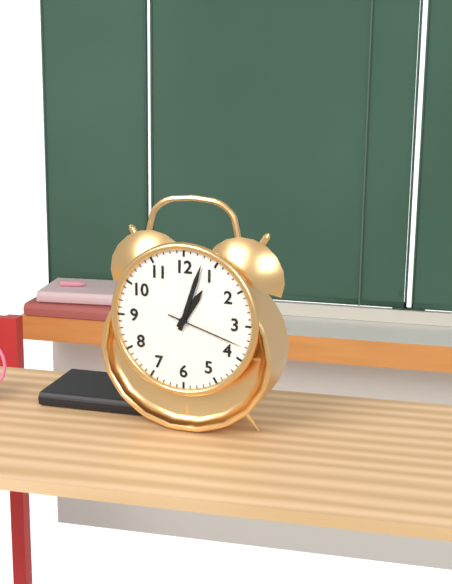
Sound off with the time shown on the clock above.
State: 1:03:18
